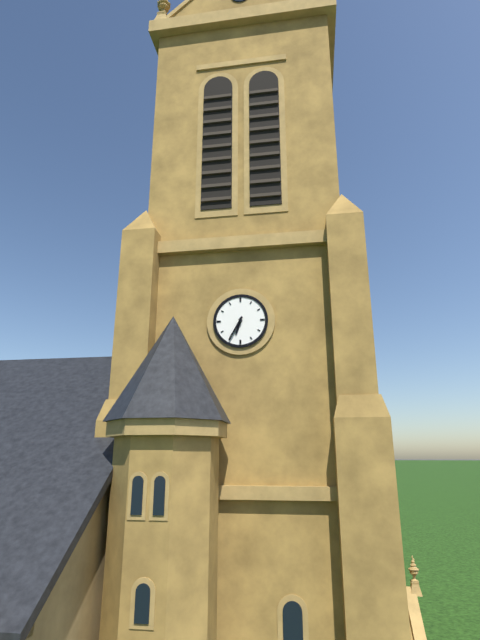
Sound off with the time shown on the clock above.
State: 6:35
